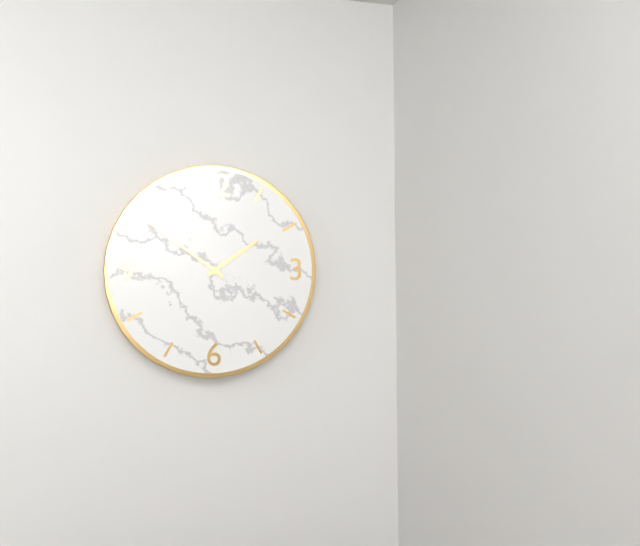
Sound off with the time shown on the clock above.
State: 1:51
